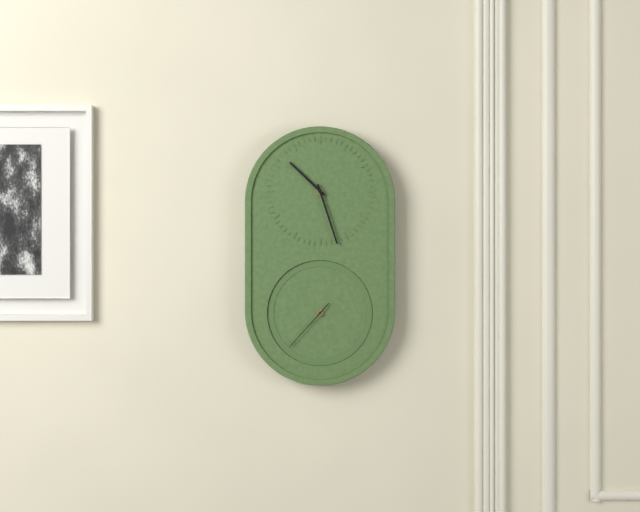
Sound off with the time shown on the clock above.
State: 10:27:37
